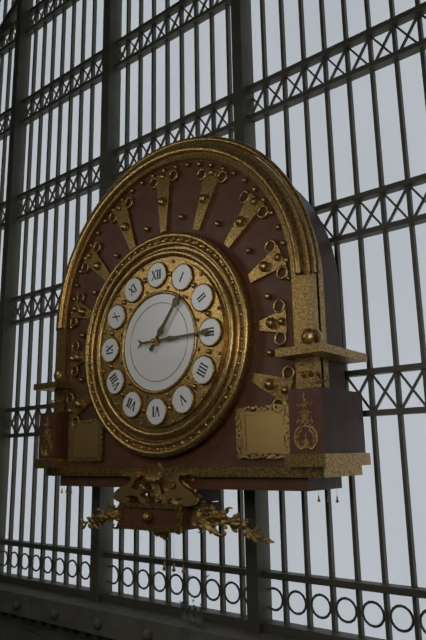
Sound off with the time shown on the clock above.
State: 1:15
